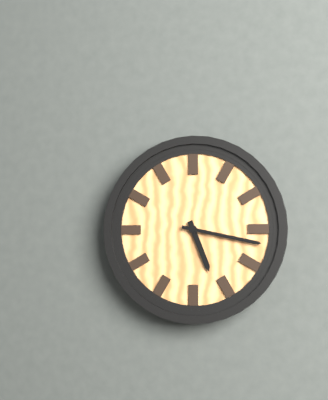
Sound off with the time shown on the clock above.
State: 5:17
